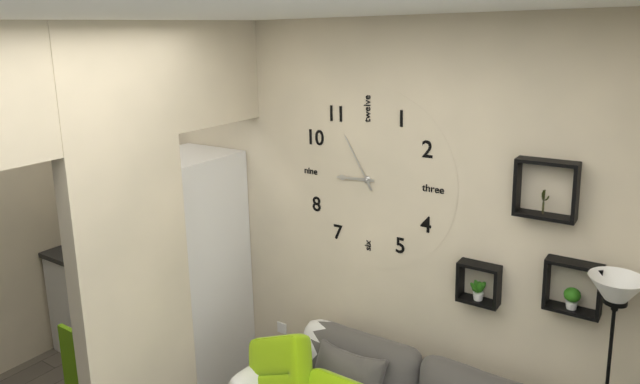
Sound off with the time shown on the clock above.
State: 8:55
